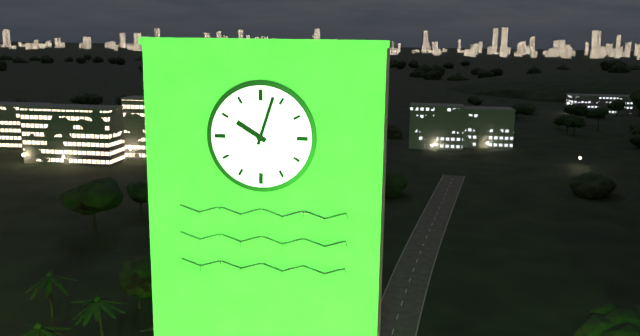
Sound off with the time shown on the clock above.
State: 10:03
